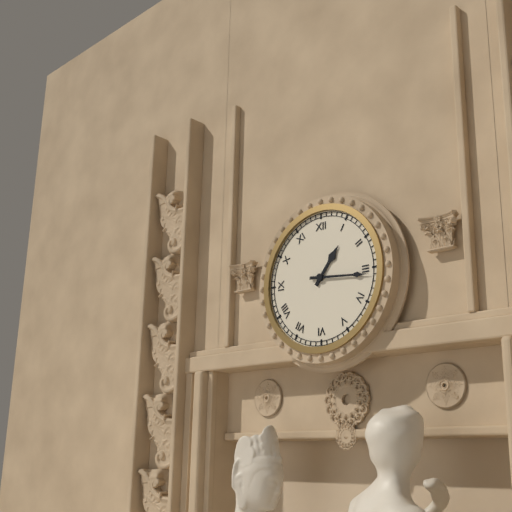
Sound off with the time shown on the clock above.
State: 1:16
